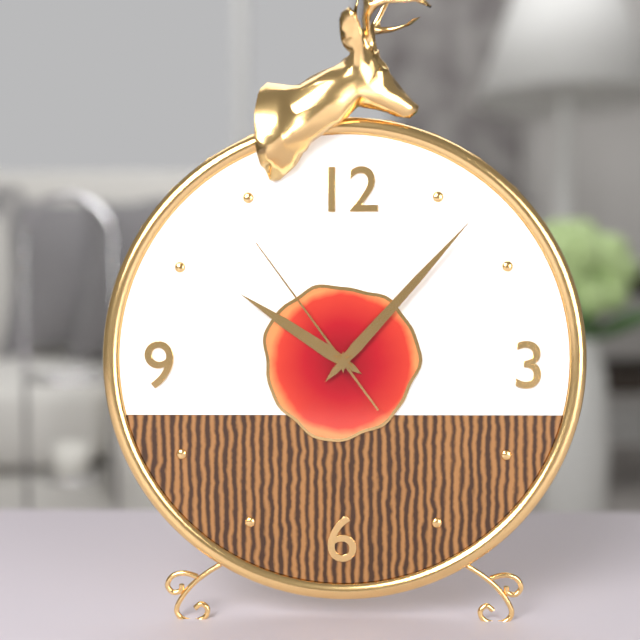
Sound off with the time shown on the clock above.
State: 10:07:54
